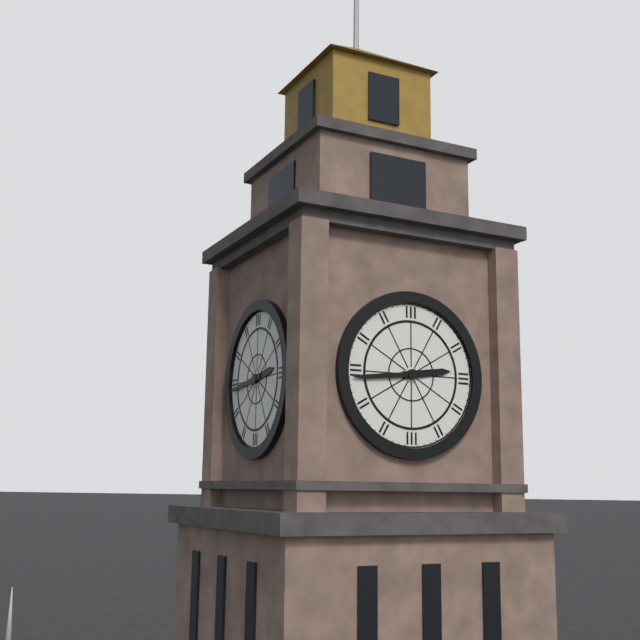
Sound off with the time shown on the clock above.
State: 2:44
